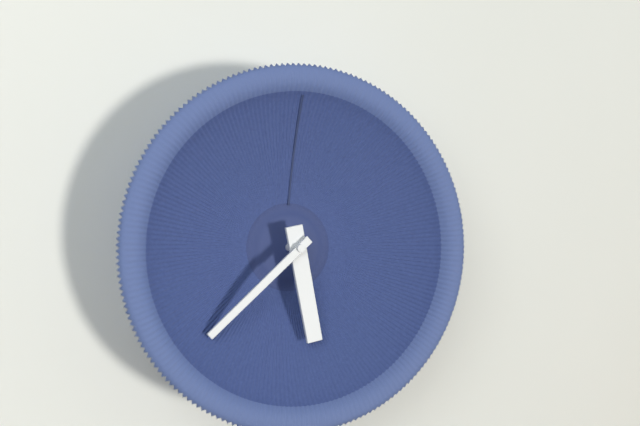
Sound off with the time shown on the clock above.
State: 5:38
